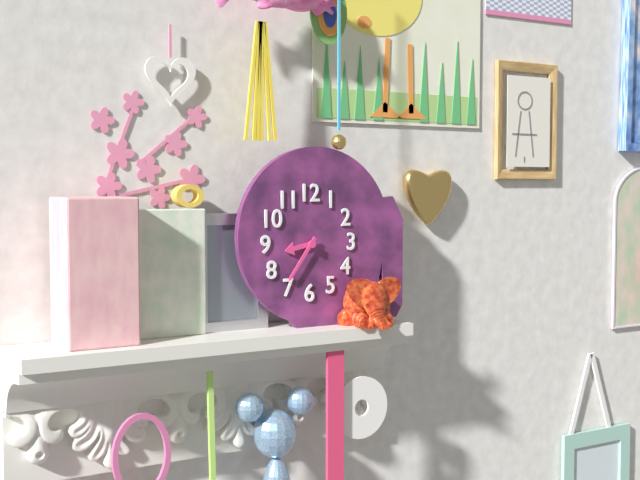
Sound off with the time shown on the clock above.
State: 8:36
